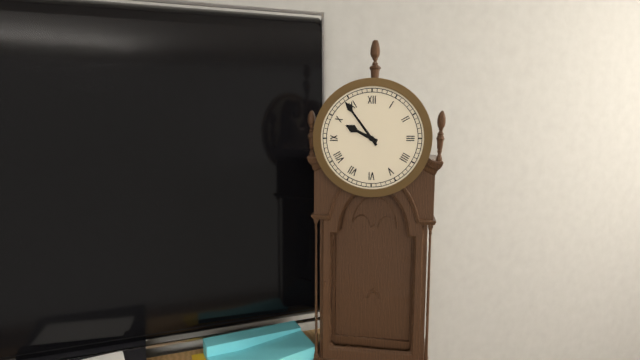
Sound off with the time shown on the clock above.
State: 9:54
